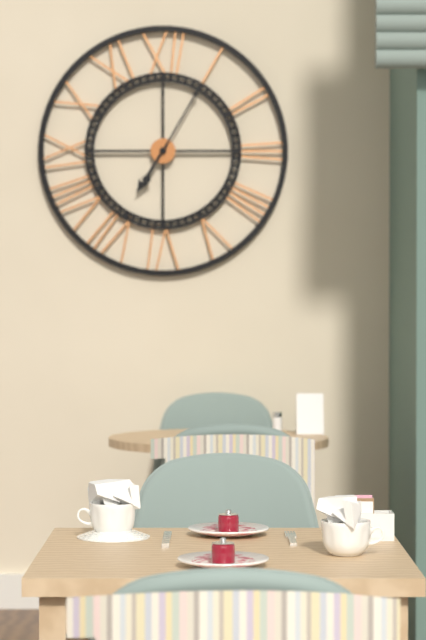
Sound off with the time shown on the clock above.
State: 7:05
